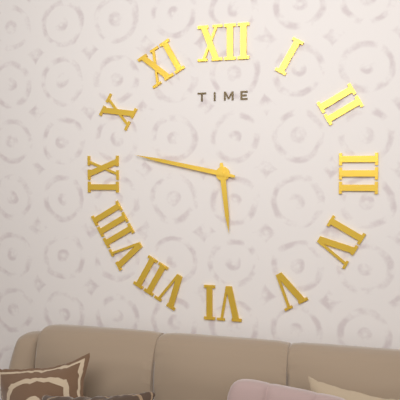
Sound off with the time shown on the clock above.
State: 5:47
